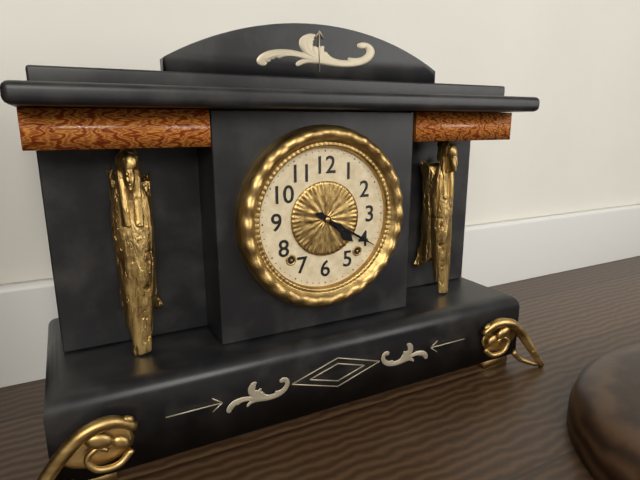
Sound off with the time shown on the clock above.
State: 4:20
